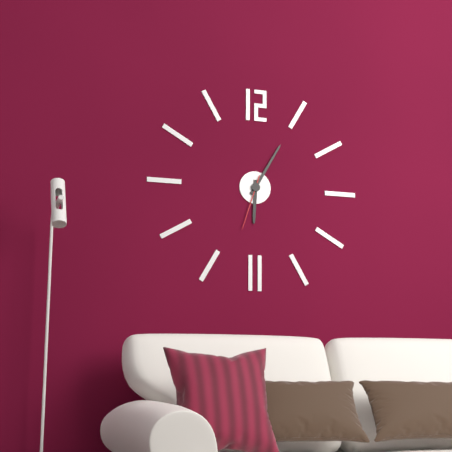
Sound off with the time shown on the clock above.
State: 6:05:33
